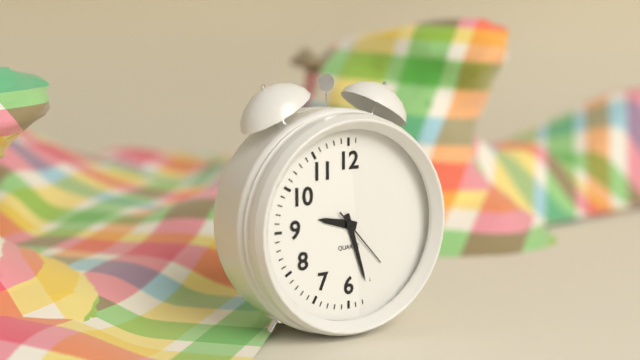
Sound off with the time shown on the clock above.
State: 9:27:23
